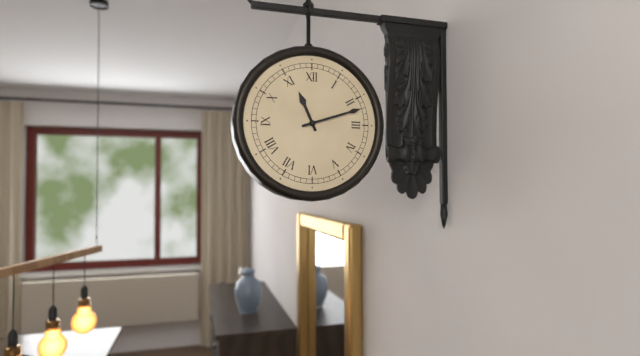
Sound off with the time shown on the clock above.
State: 11:12
